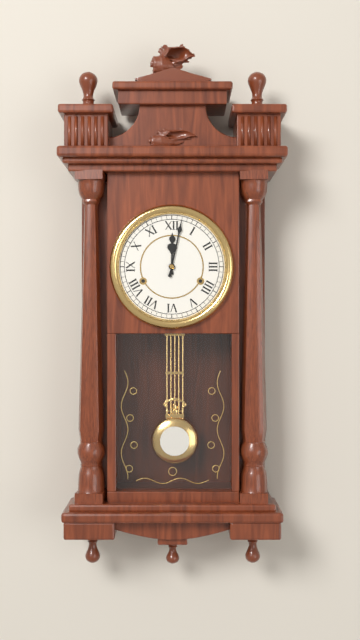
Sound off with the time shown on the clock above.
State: 12:02
